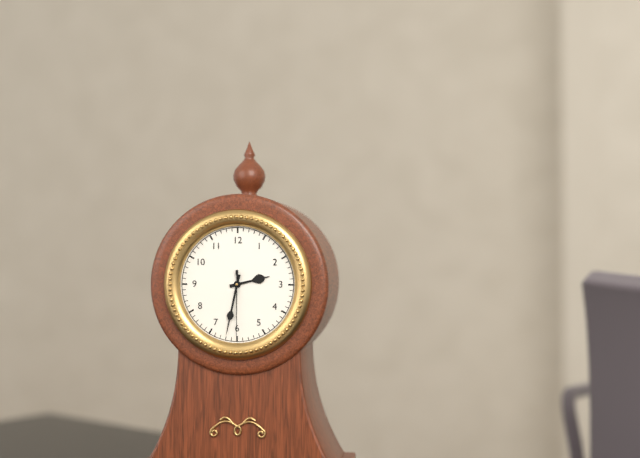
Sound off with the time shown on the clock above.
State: 2:32:30
